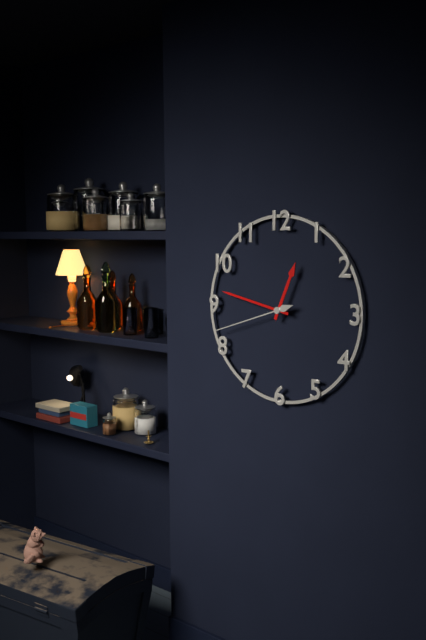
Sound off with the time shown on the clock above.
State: 12:47:42
